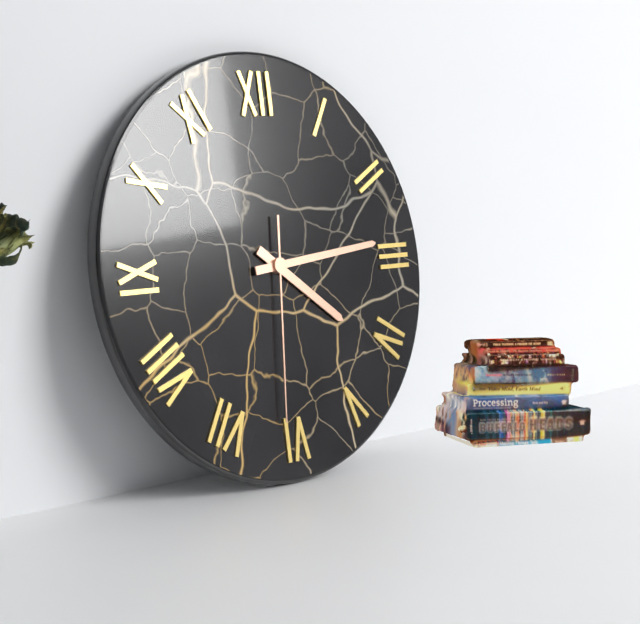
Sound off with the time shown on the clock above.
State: 4:14:31
